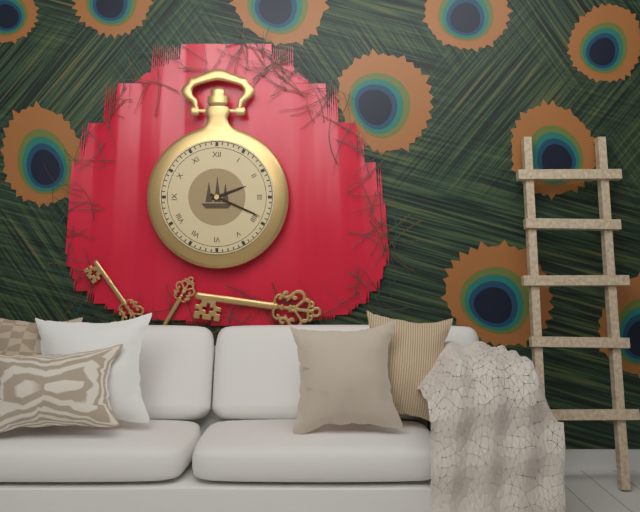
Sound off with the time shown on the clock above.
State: 2:19
